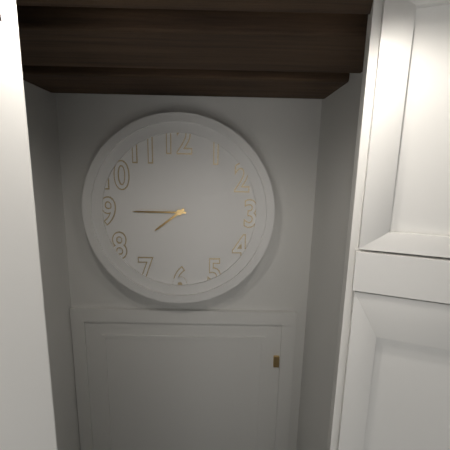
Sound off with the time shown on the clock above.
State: 7:45
